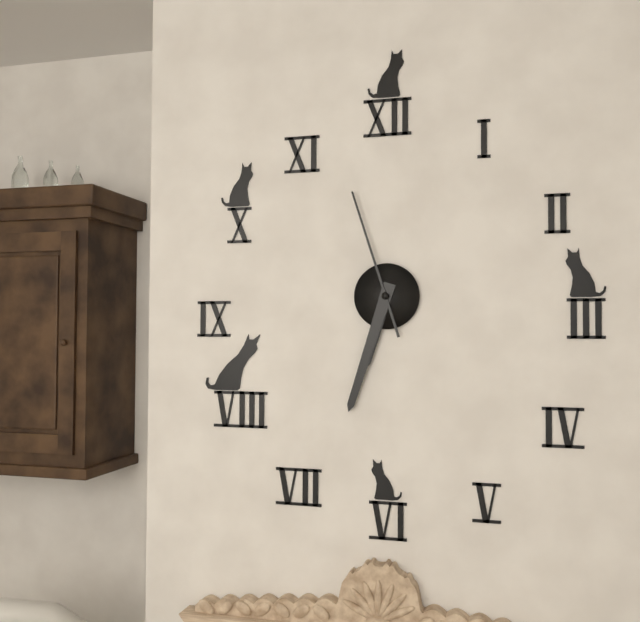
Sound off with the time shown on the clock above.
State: 6:33:57
